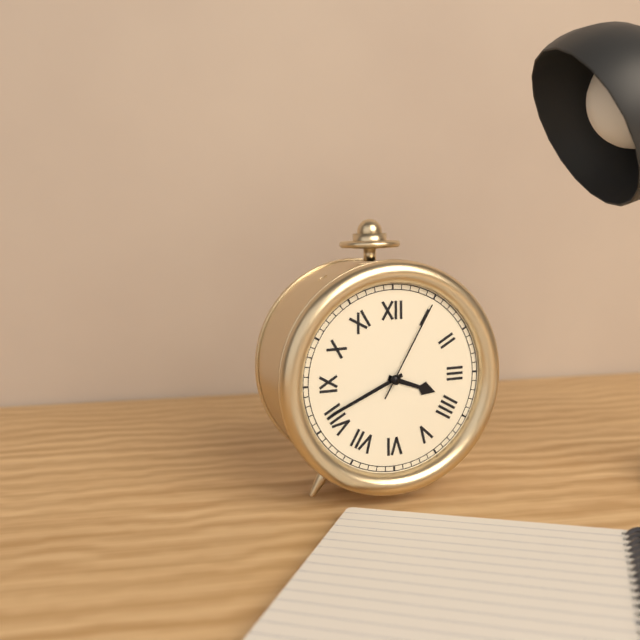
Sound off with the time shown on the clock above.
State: 3:41:05
